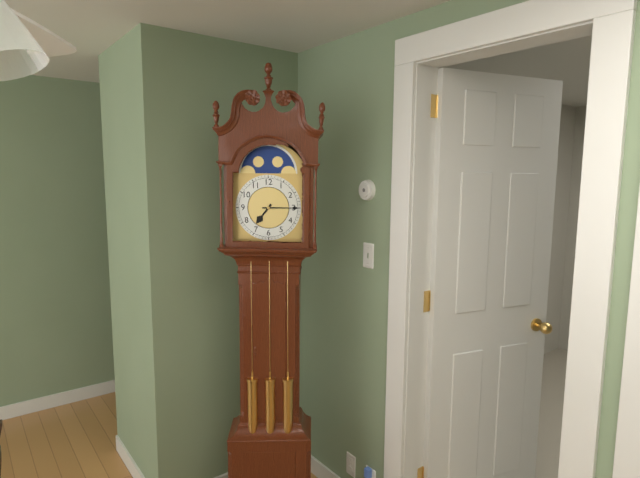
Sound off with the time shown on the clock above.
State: 7:15
